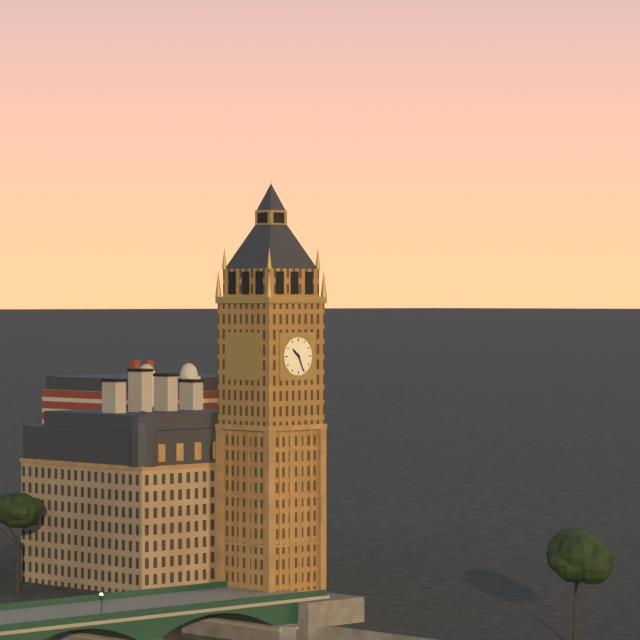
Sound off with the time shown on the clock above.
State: 10:26
